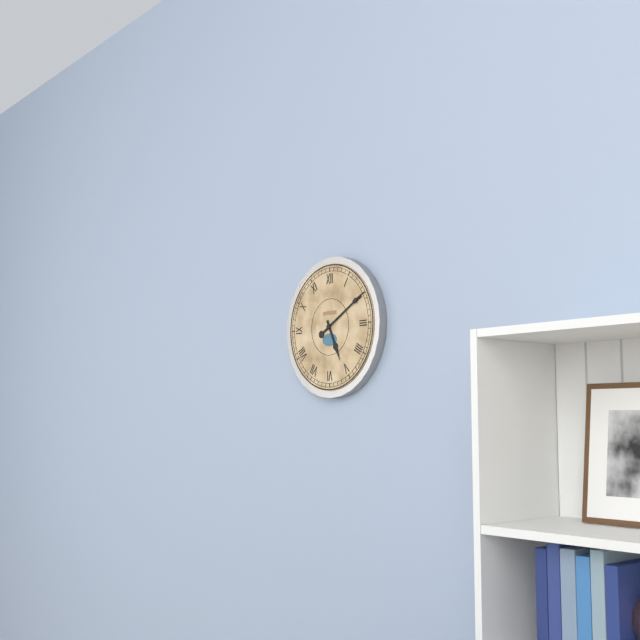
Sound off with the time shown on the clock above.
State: 5:10
